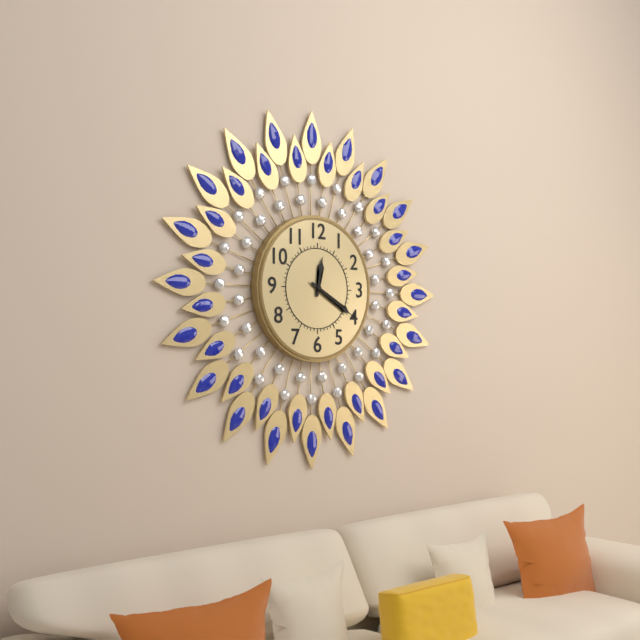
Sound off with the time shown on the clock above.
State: 12:20
